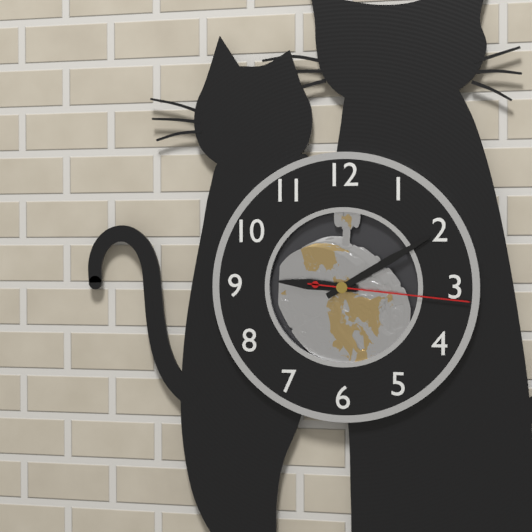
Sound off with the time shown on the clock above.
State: 9:10:16
